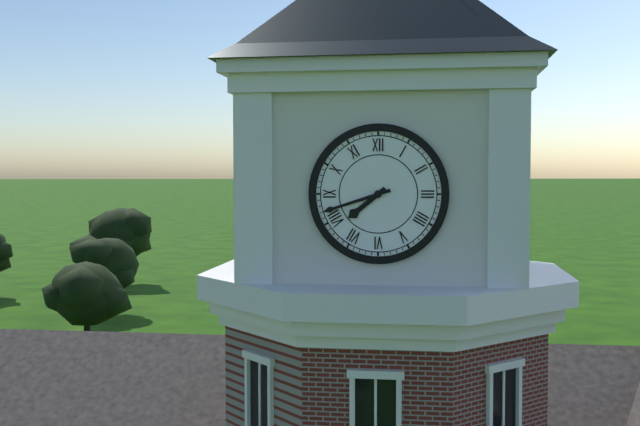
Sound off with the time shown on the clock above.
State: 7:42
